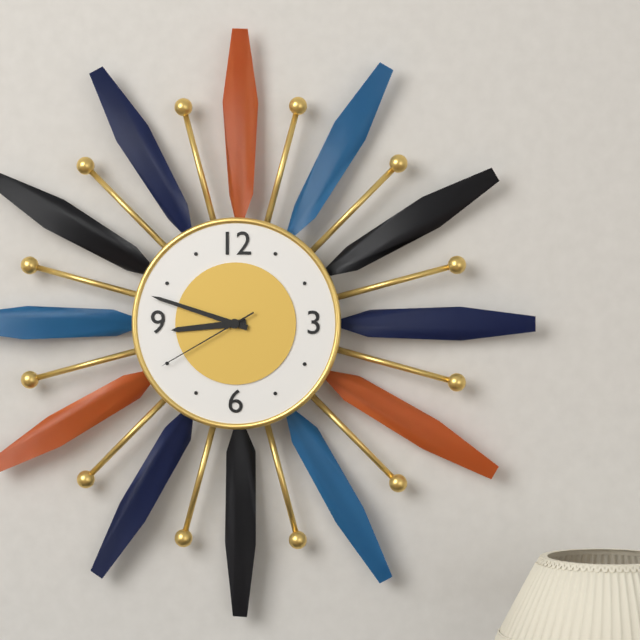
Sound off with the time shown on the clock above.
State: 8:48:40
